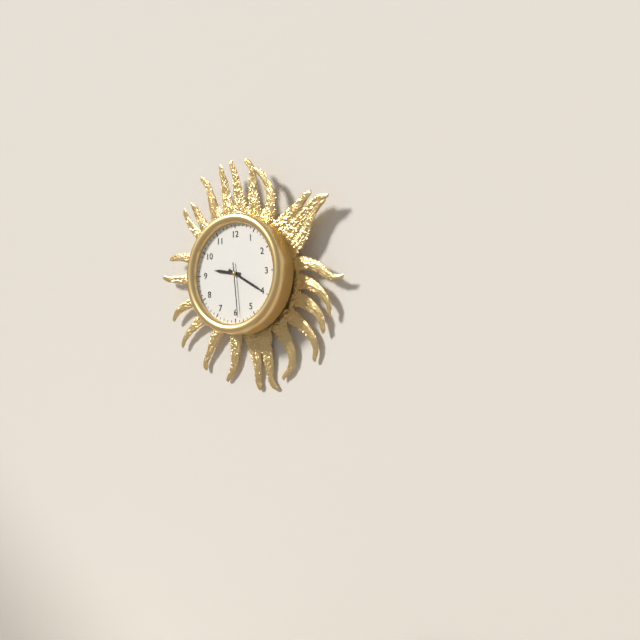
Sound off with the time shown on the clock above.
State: 9:20:29
